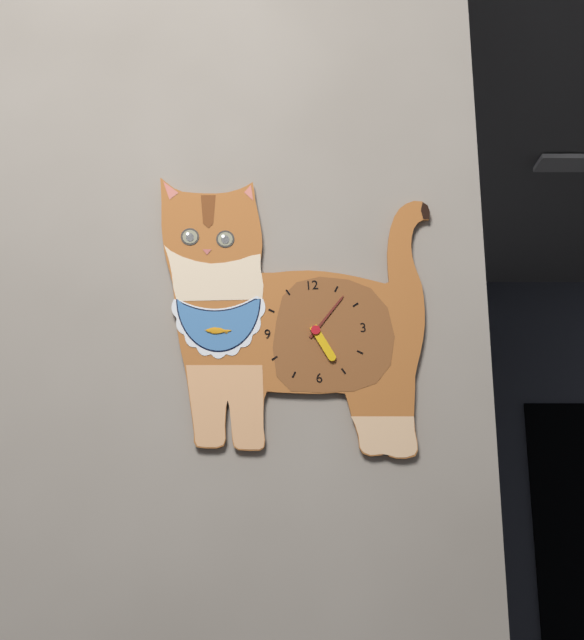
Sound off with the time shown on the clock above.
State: 5:07
